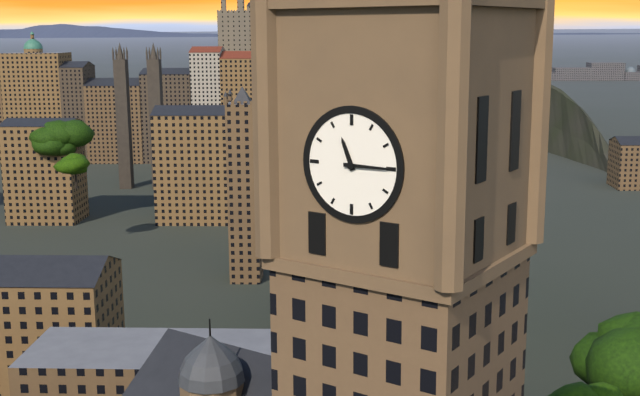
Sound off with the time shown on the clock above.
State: 11:15
